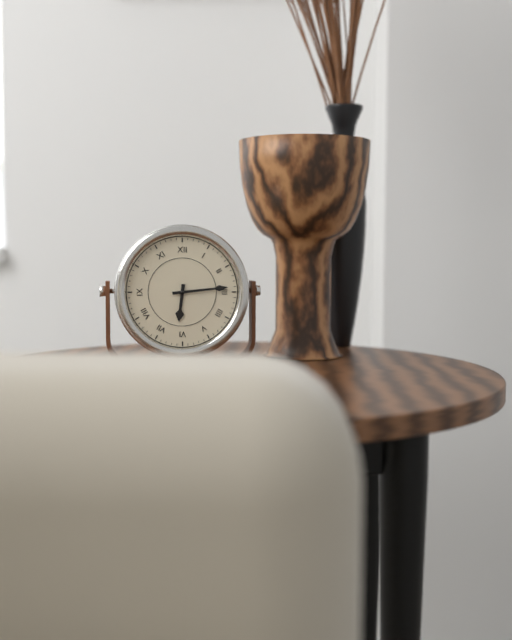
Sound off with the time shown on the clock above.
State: 6:14
